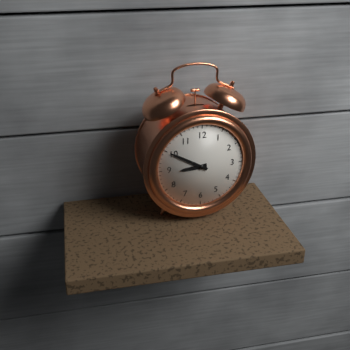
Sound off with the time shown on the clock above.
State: 8:50
